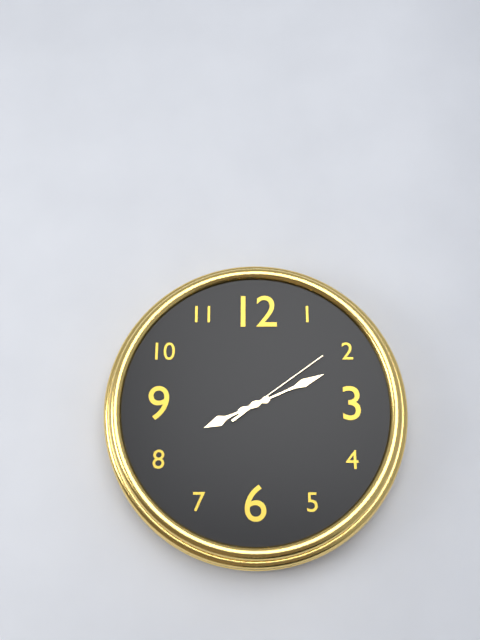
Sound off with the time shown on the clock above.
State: 8:11:09
